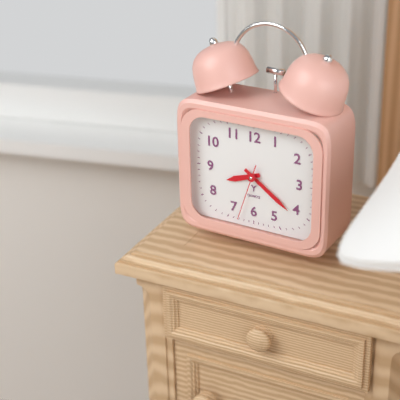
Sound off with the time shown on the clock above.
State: 8:21:33
